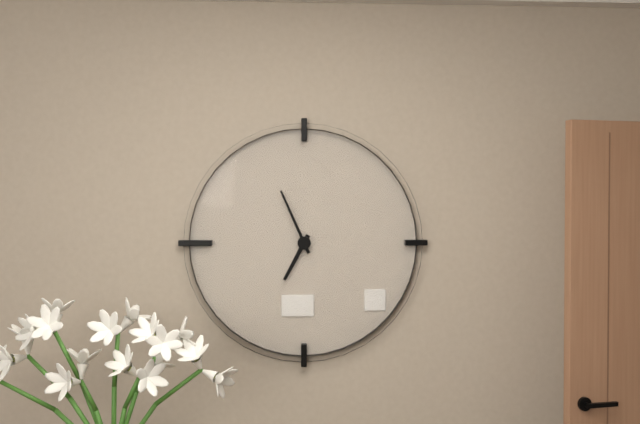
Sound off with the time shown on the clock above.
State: 6:56
